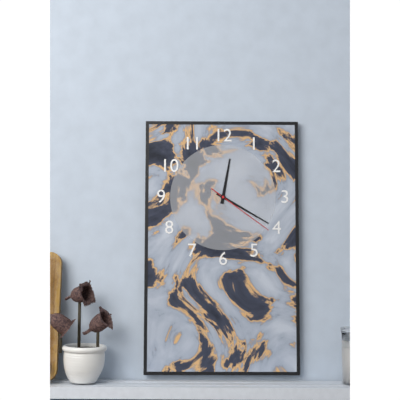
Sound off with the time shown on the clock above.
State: 12:20:21
